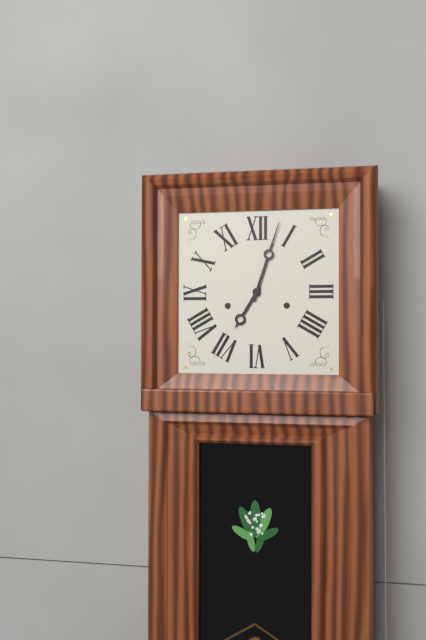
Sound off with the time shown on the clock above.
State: 7:03
